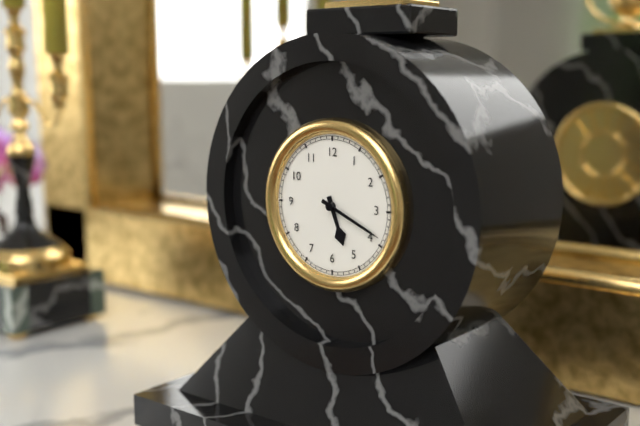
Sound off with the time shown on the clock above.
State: 5:19
